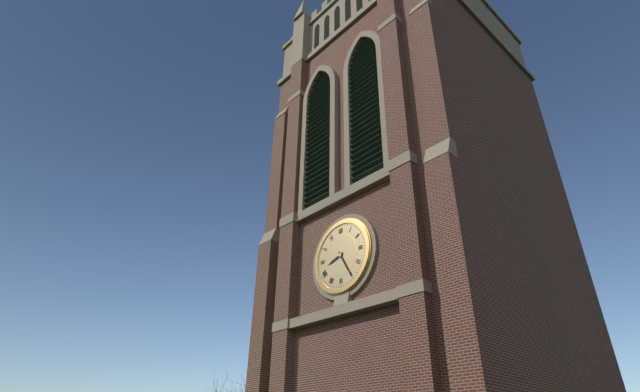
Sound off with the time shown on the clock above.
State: 8:25
